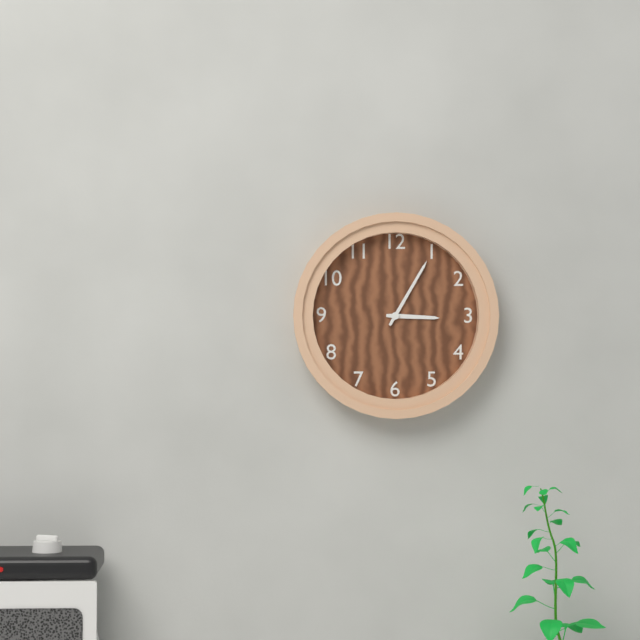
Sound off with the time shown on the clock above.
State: 3:05
